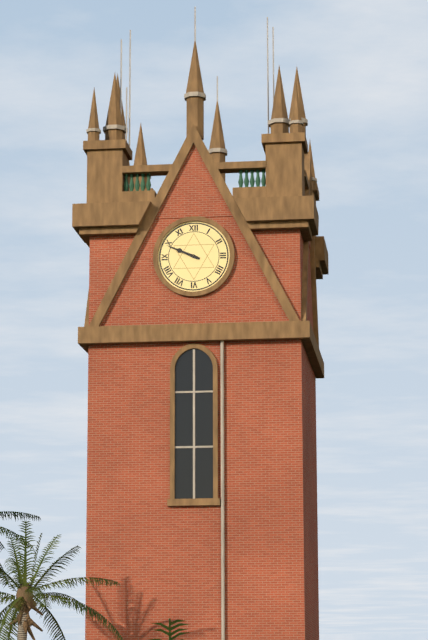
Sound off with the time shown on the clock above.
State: 9:49
